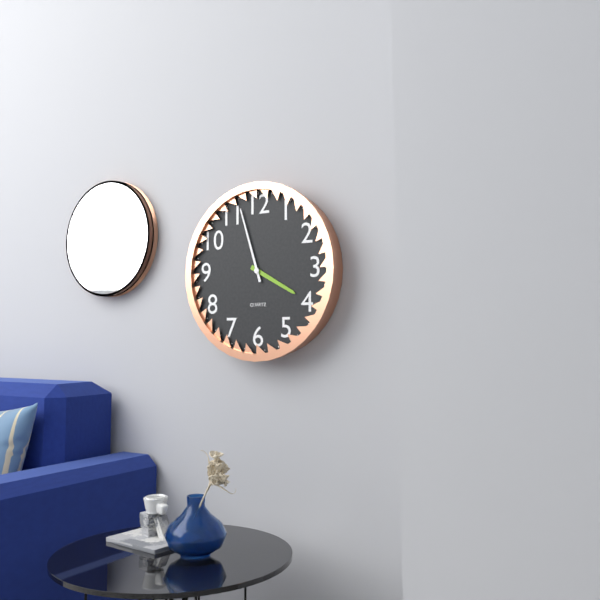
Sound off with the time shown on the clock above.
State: 3:57
